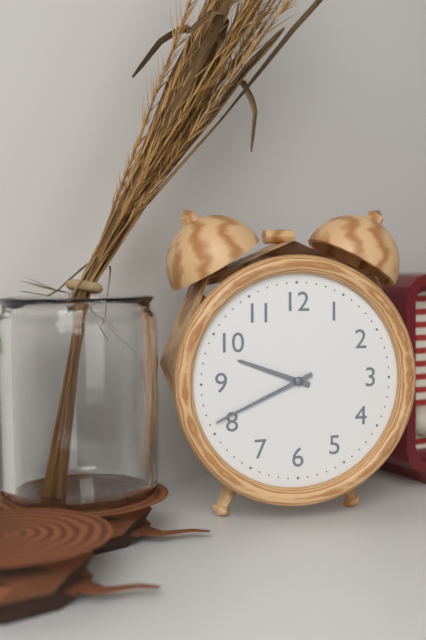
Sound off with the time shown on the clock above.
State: 9:41
